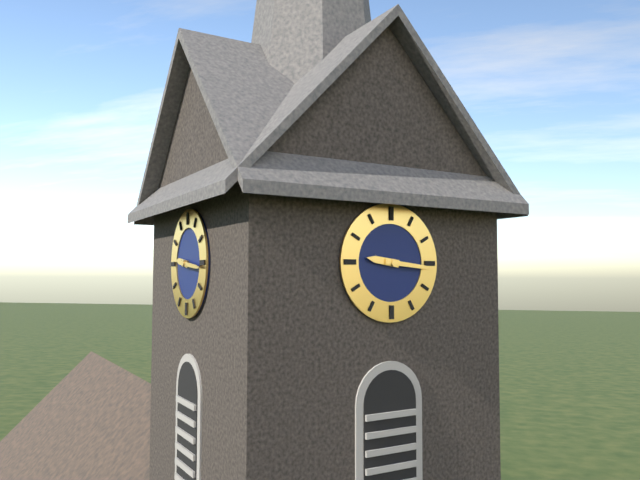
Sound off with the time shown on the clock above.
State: 9:16
